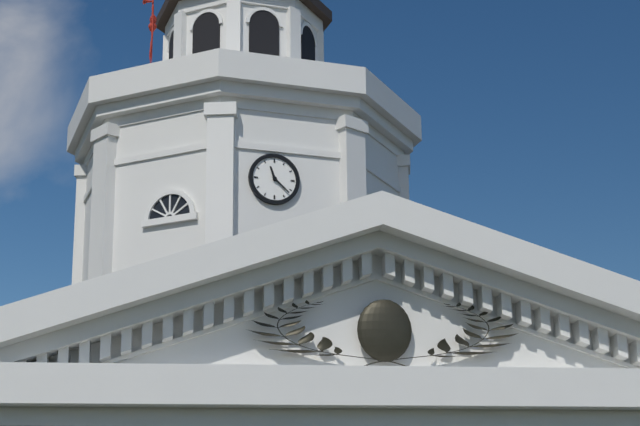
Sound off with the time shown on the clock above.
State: 11:22
